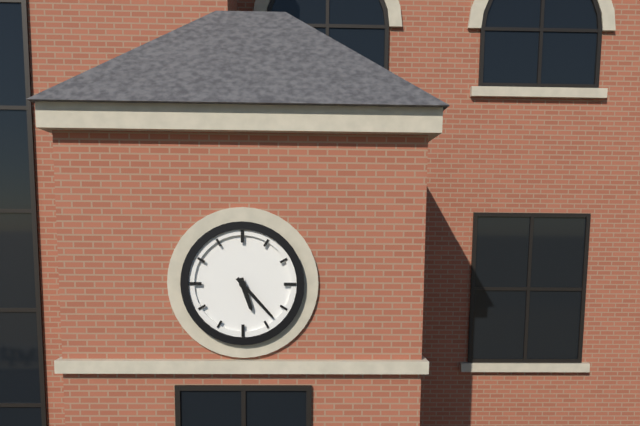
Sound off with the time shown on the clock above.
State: 5:23
